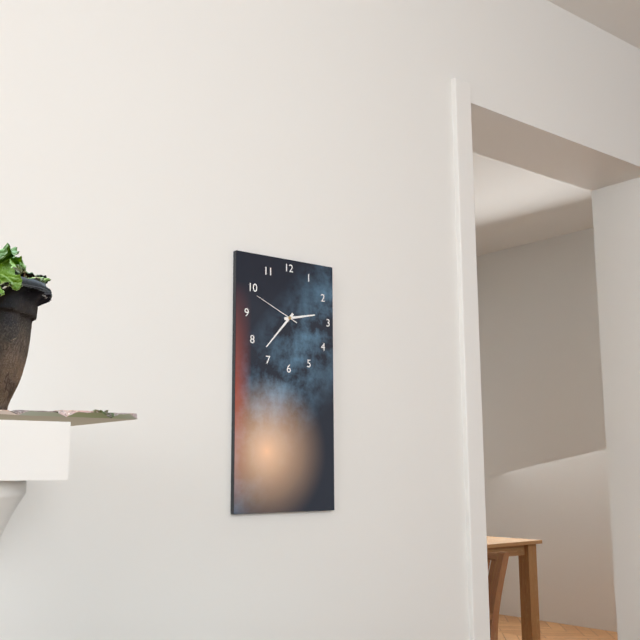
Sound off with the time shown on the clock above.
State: 2:37
